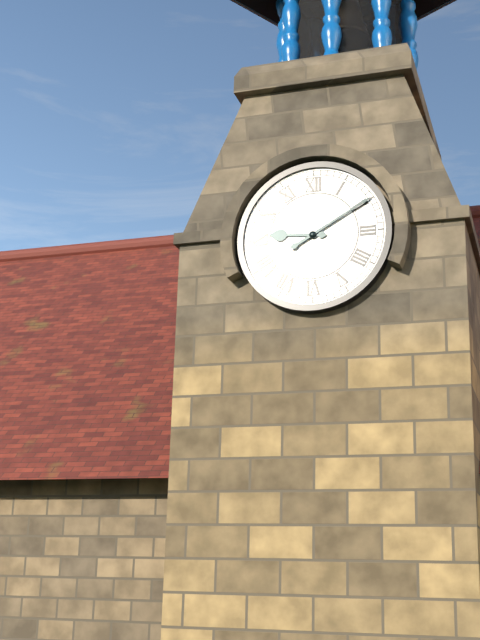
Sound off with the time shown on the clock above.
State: 9:10
